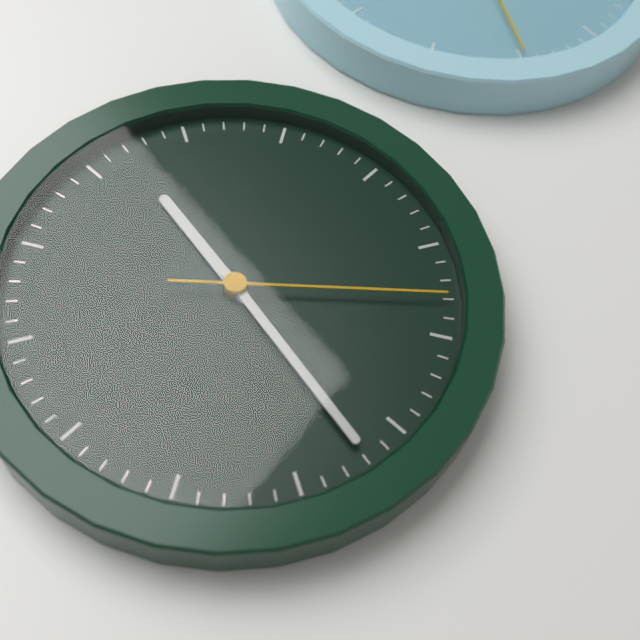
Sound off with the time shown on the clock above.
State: 10:22:13
